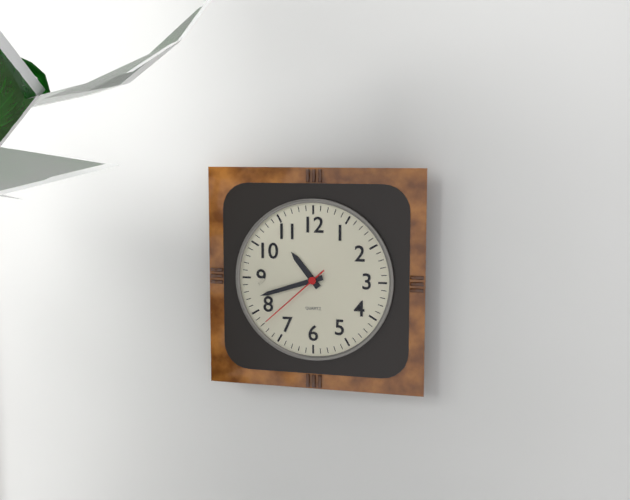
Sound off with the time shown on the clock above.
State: 10:42:38
